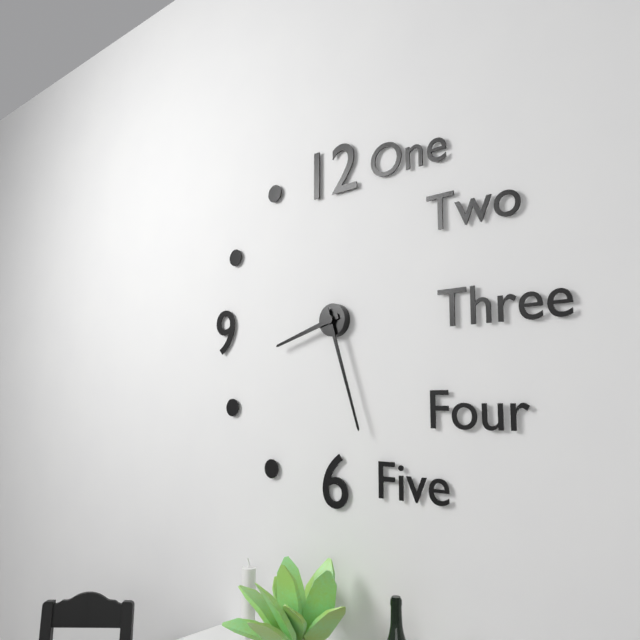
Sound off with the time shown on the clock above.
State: 8:27
